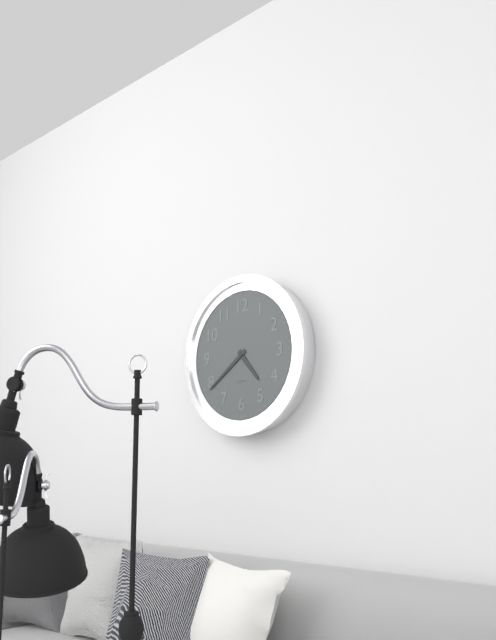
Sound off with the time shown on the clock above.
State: 4:39
